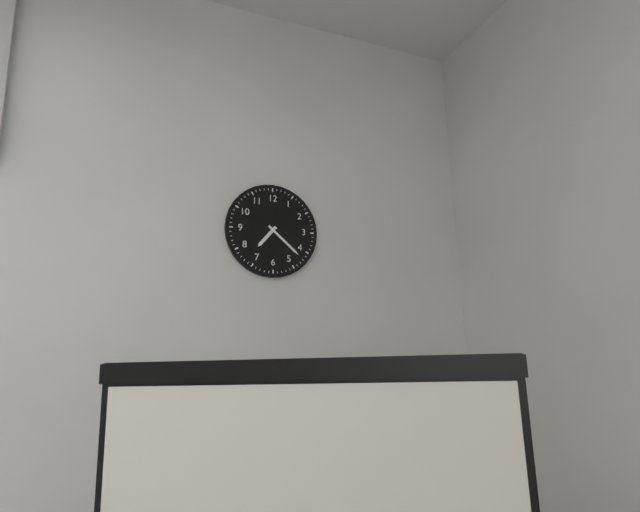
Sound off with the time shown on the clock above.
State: 7:22
